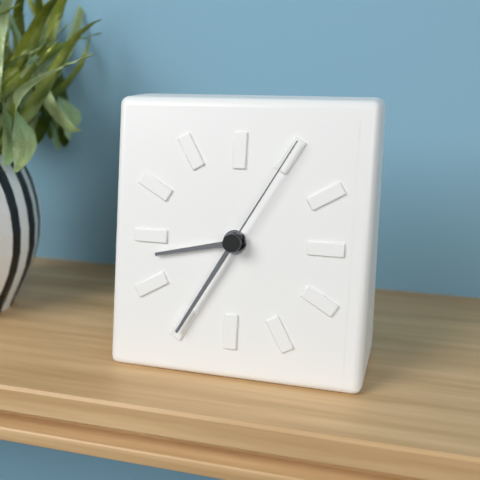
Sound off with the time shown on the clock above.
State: 8:35:05
